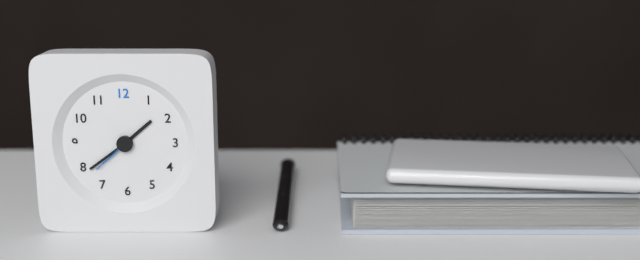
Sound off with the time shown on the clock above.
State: 1:39
